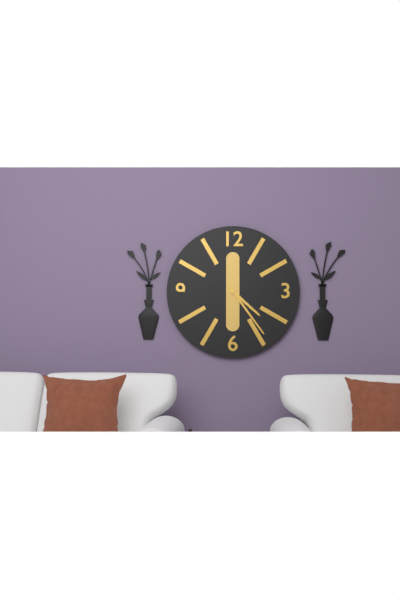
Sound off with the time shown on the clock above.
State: 4:24
